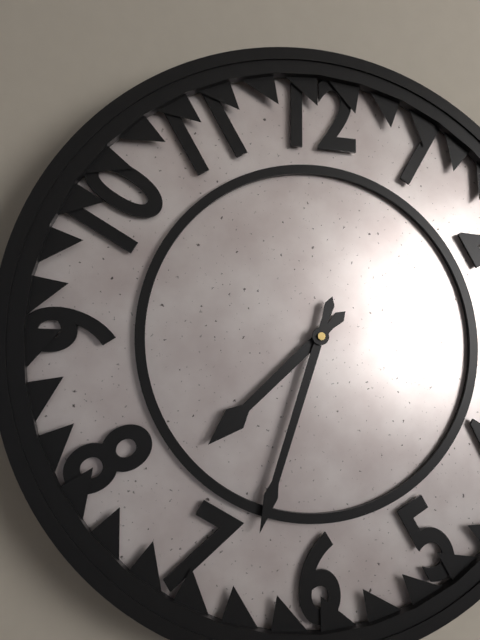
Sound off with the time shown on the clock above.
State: 7:33
